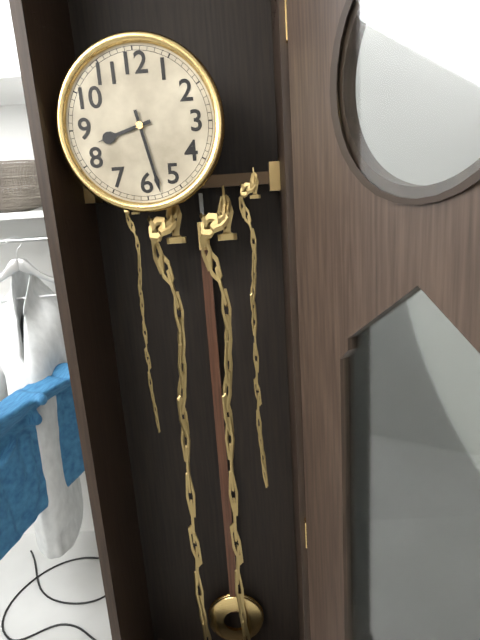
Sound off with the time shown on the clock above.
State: 8:28
